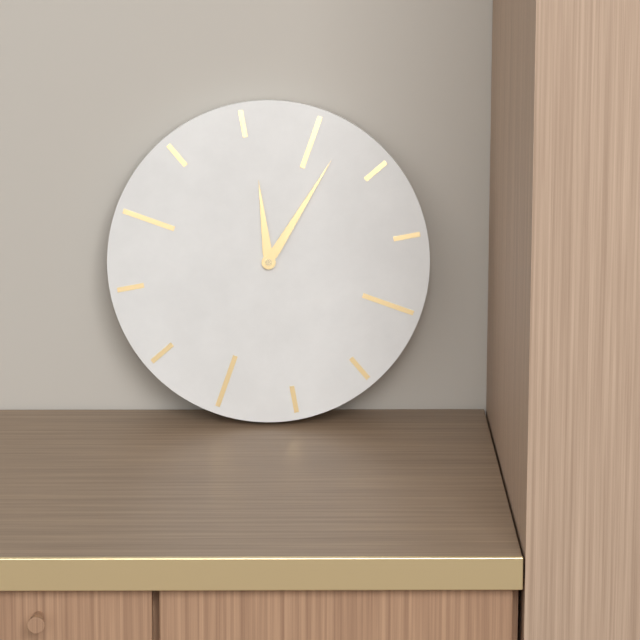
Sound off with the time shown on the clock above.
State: 12:07
